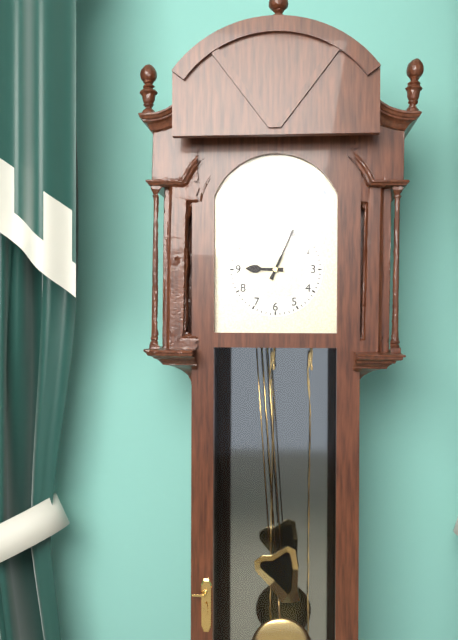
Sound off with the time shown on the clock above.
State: 9:04
